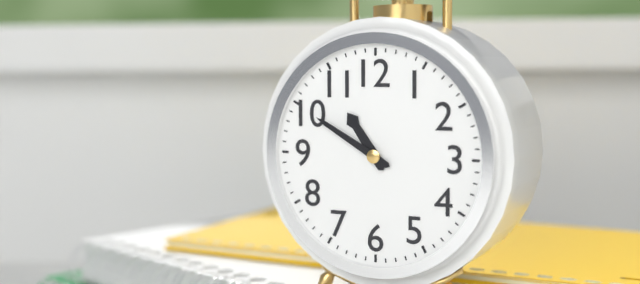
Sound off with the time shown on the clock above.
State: 10:50
